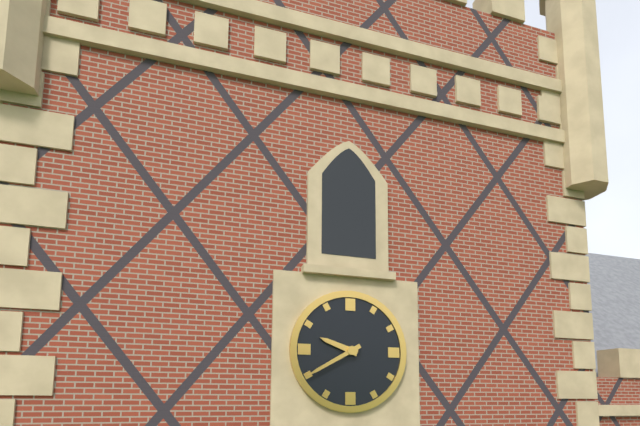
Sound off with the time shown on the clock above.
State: 9:40
